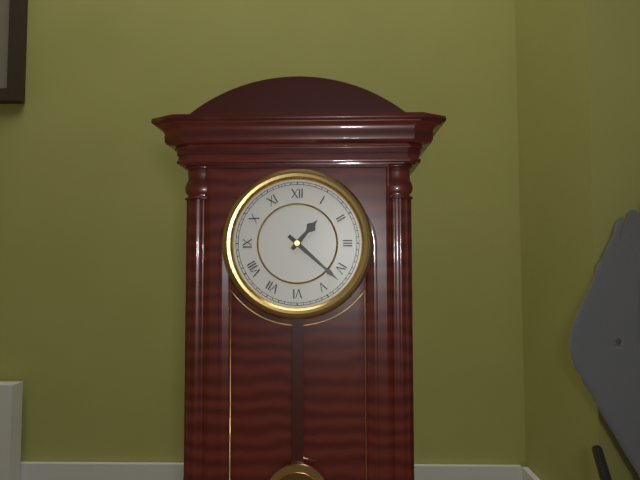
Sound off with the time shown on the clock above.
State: 1:22
